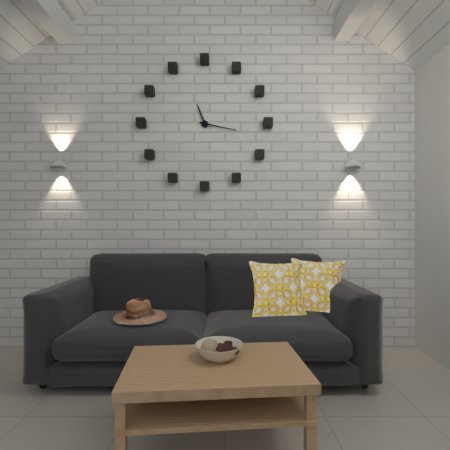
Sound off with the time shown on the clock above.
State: 11:17
